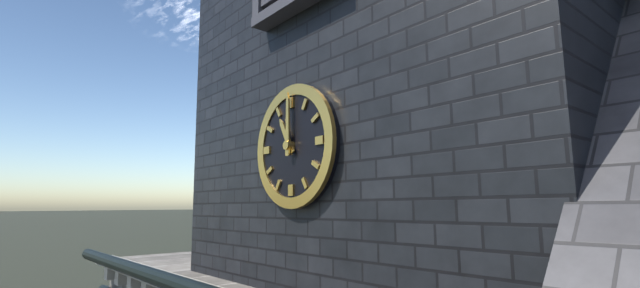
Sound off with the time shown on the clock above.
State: 11:00
